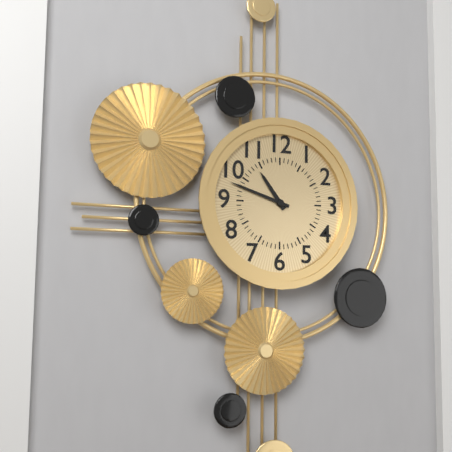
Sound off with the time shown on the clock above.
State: 10:48
